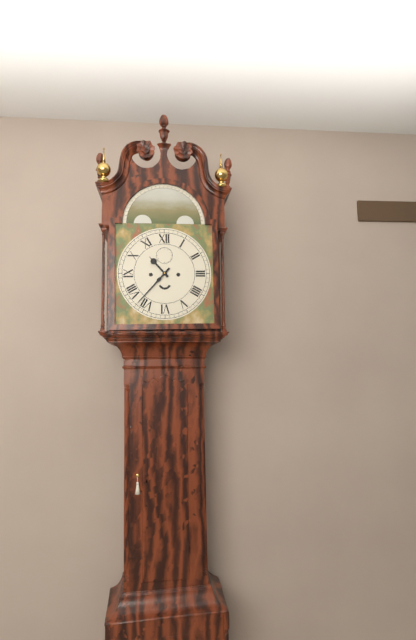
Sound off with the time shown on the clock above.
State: 10:37
